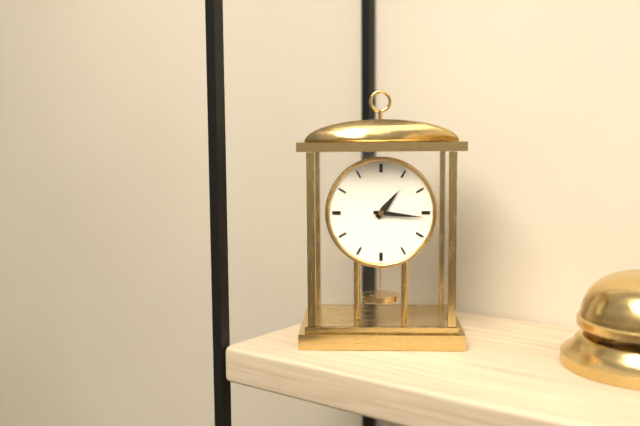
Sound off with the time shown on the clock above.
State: 1:16
